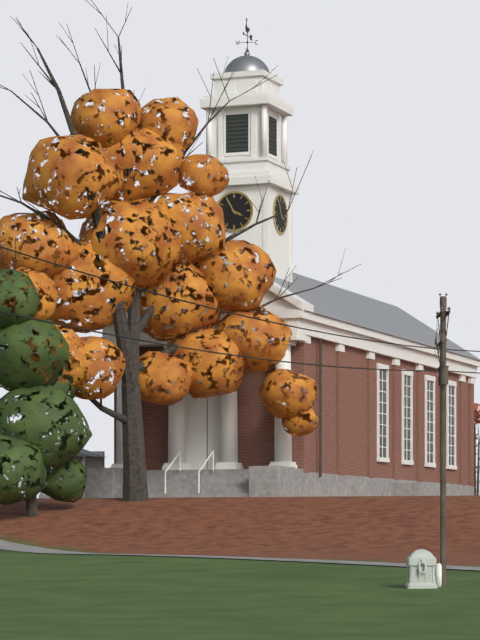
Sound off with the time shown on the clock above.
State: 3:55
